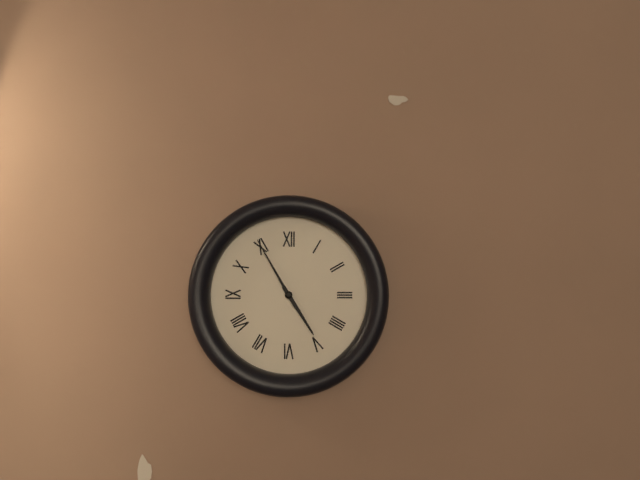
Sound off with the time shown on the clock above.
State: 4:55
